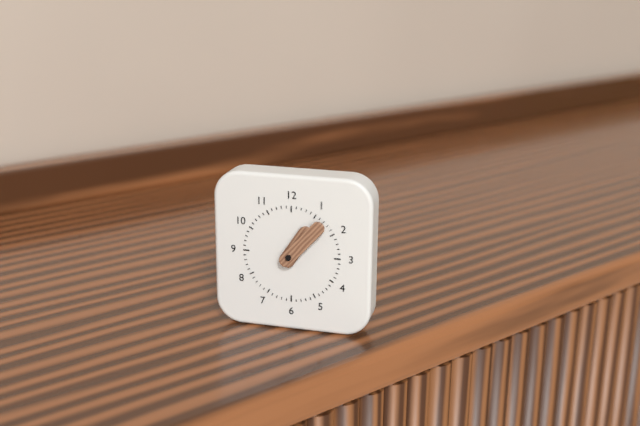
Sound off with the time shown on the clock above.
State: 1:07
